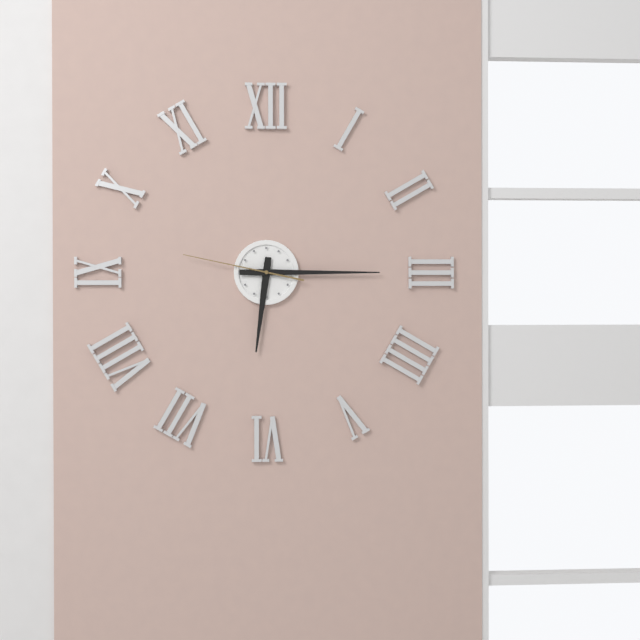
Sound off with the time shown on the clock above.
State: 6:15:47
